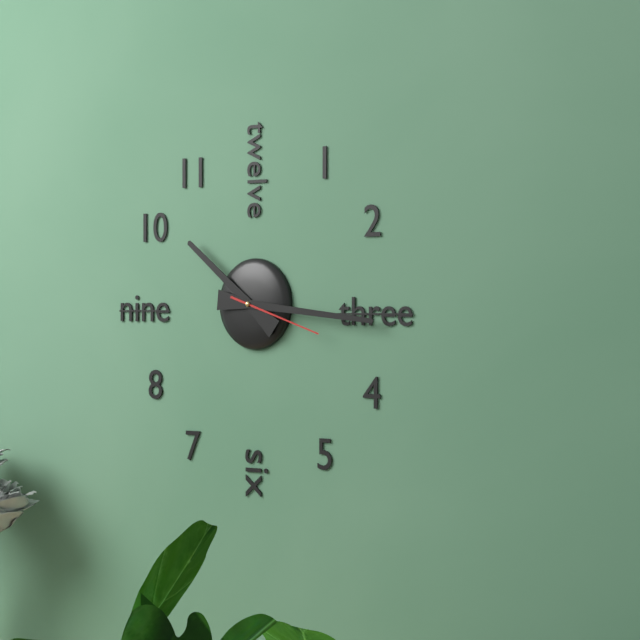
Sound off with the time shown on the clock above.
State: 10:16:18
